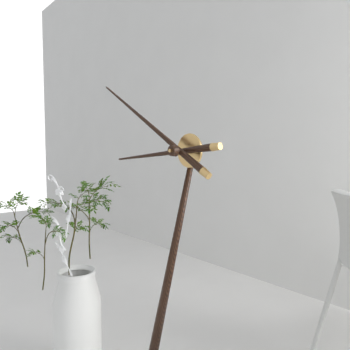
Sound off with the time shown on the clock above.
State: 8:50
